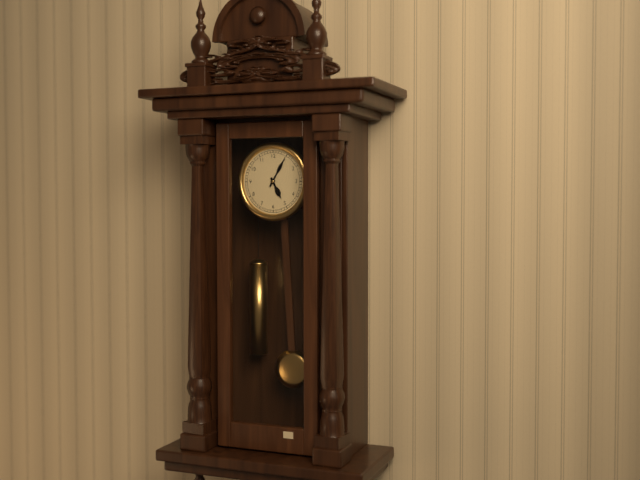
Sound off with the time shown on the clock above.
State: 5:05
